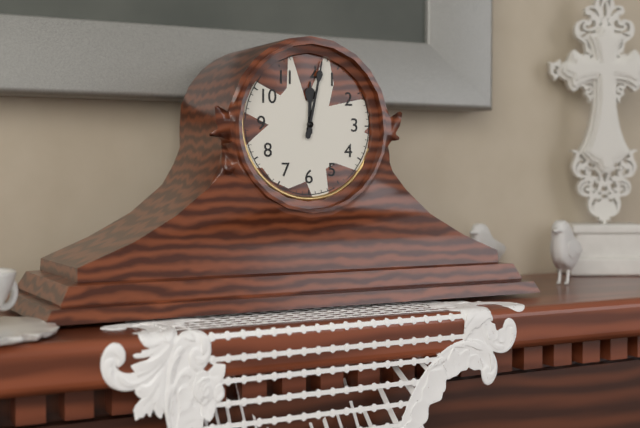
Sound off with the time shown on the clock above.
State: 12:02
